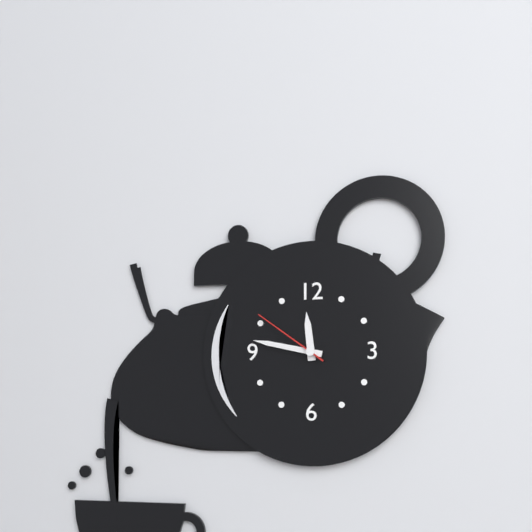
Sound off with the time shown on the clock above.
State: 11:47:51
